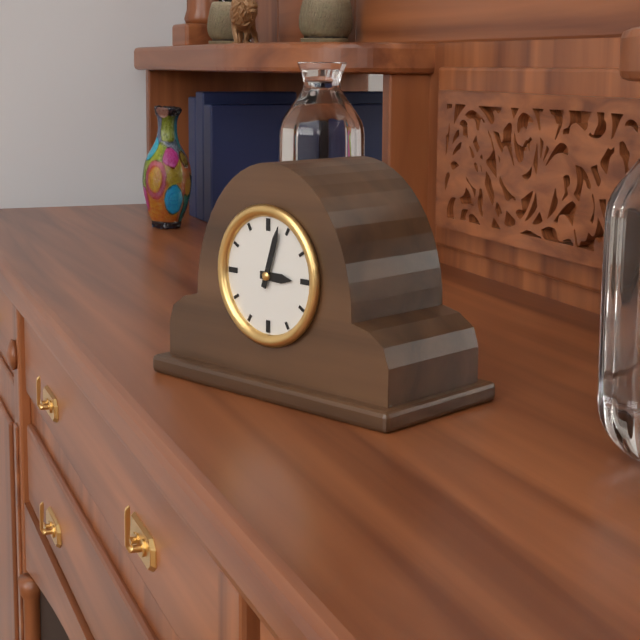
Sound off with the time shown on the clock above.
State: 3:03
